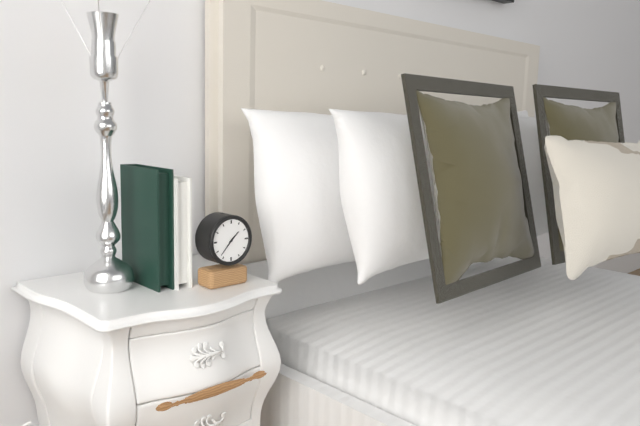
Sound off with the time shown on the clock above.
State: 1:37
